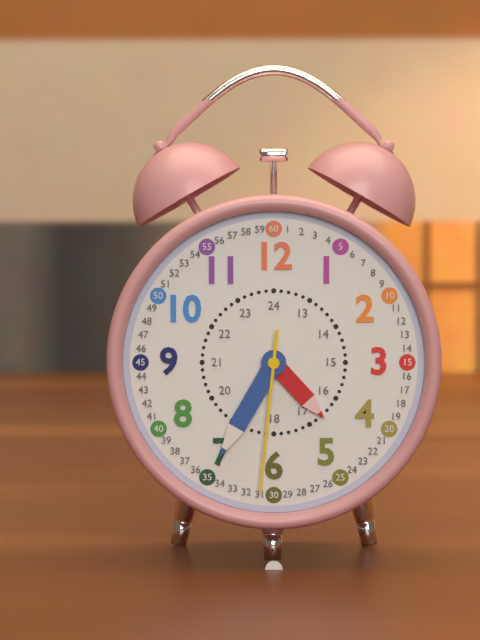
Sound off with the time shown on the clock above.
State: 4:35:31
